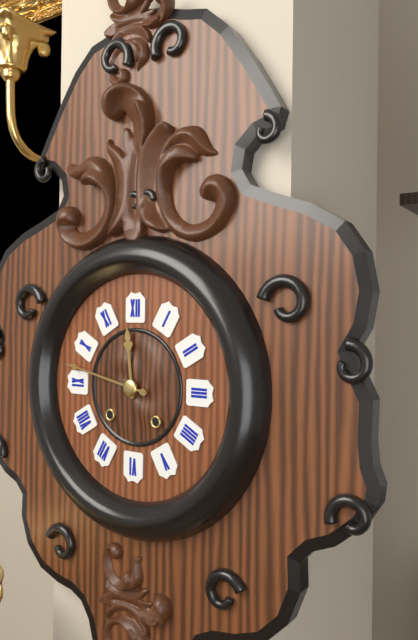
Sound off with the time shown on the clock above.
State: 11:47
